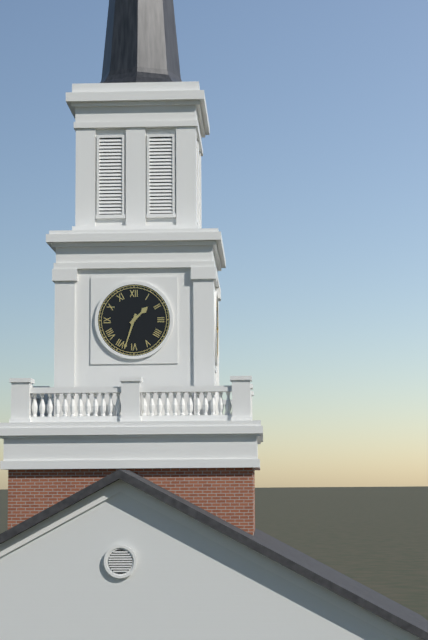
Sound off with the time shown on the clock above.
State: 1:33
